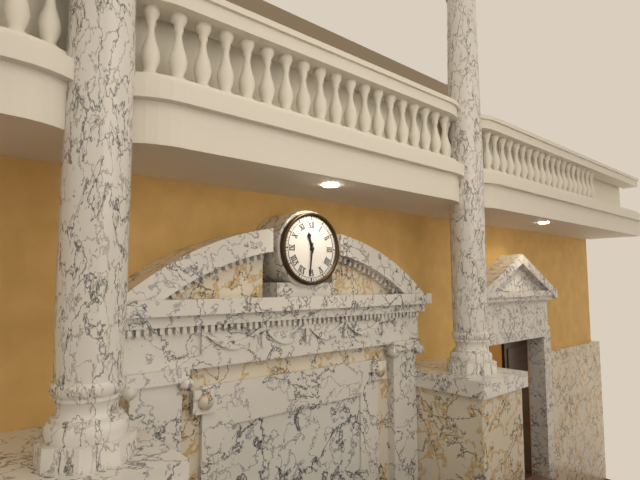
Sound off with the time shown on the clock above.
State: 11:31
